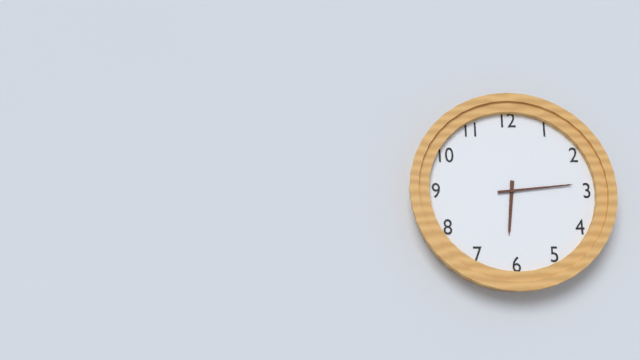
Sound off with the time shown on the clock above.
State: 6:14
